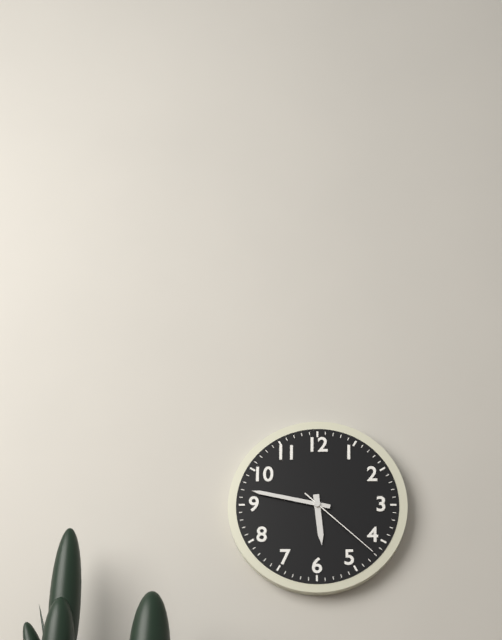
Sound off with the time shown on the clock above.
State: 5:47:22
